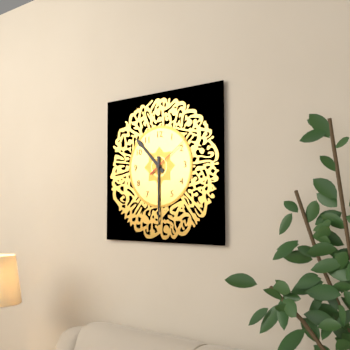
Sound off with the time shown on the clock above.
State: 10:30:09
